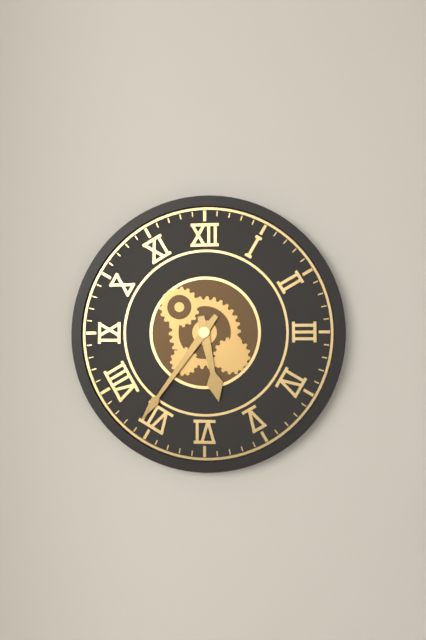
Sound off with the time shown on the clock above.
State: 5:36
